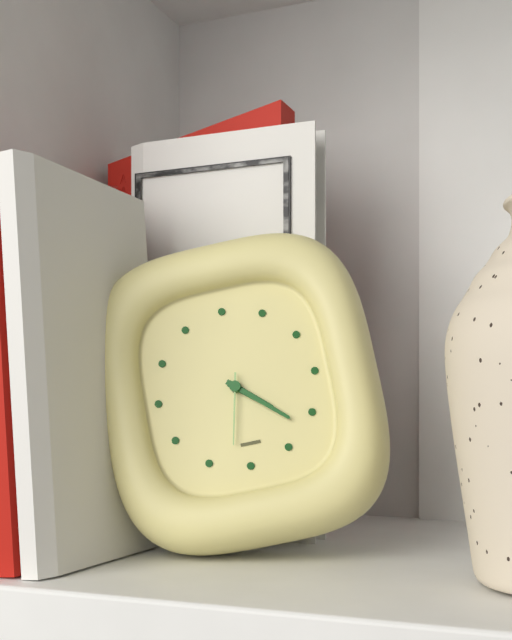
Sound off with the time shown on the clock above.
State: 4:22:32
